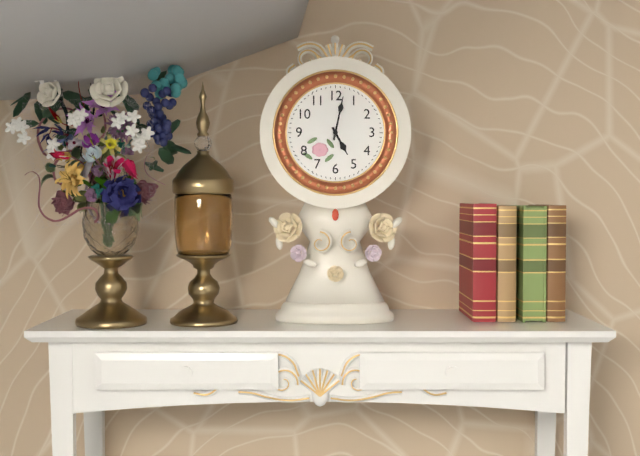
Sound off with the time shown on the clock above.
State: 5:02
